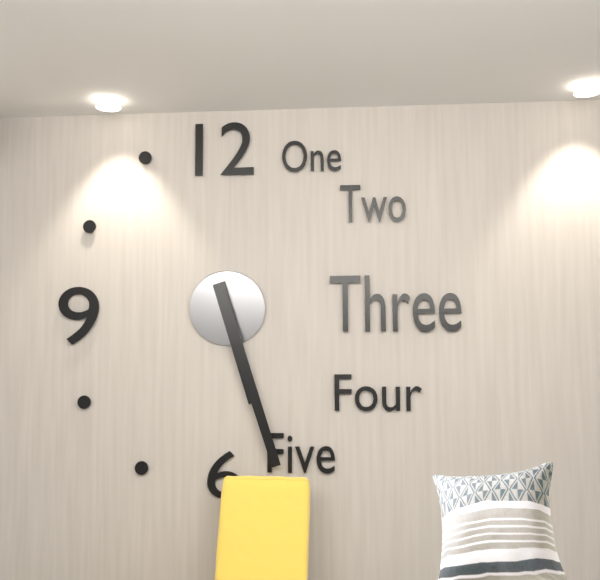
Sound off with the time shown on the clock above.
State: 5:27
